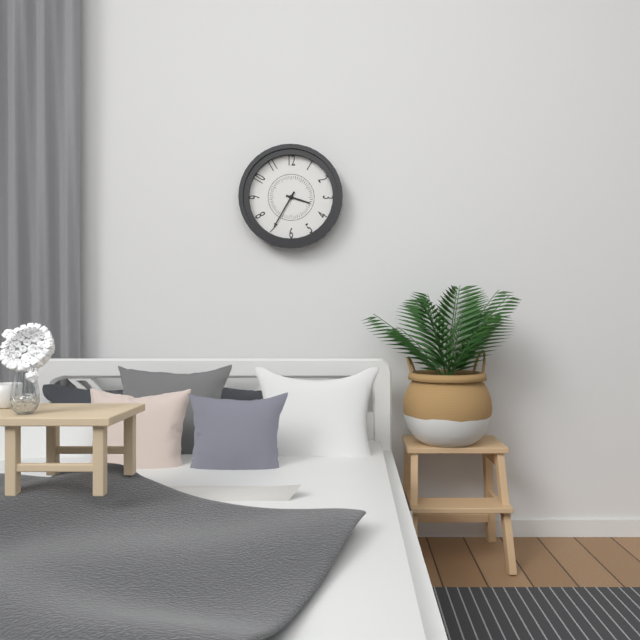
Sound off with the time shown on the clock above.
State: 3:35
